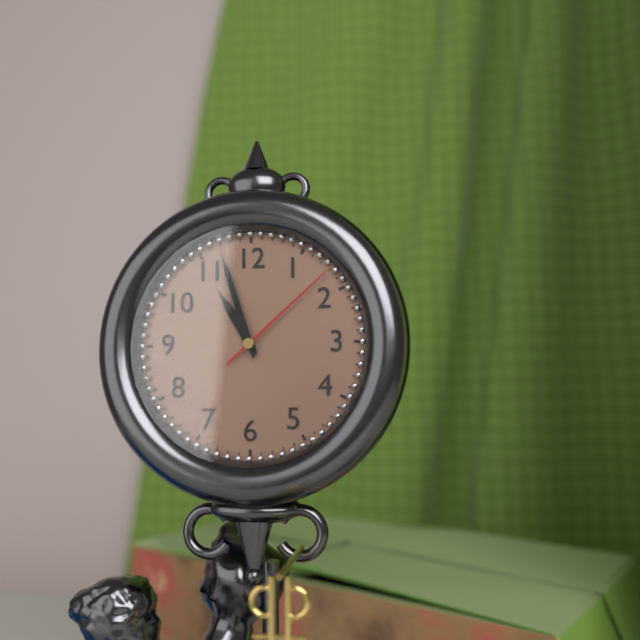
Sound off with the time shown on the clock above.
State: 10:57:08
